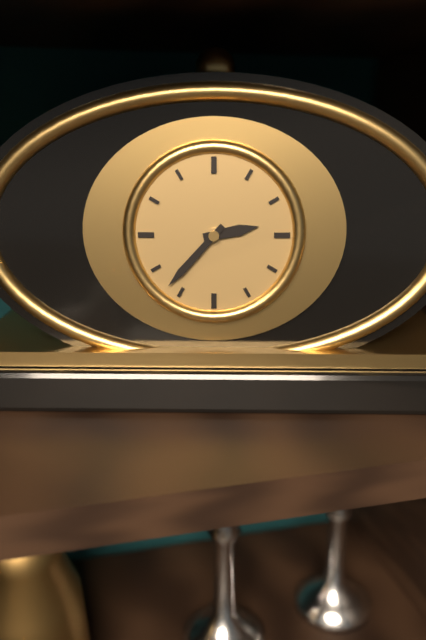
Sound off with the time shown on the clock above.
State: 2:37
